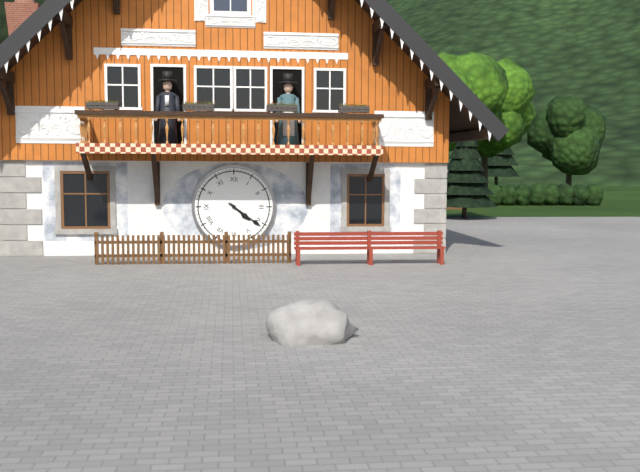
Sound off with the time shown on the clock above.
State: 4:21
